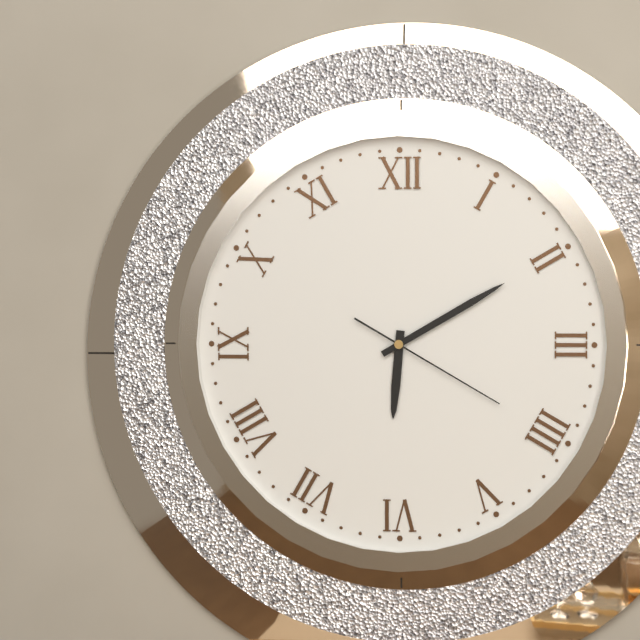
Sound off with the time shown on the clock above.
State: 6:10:20
